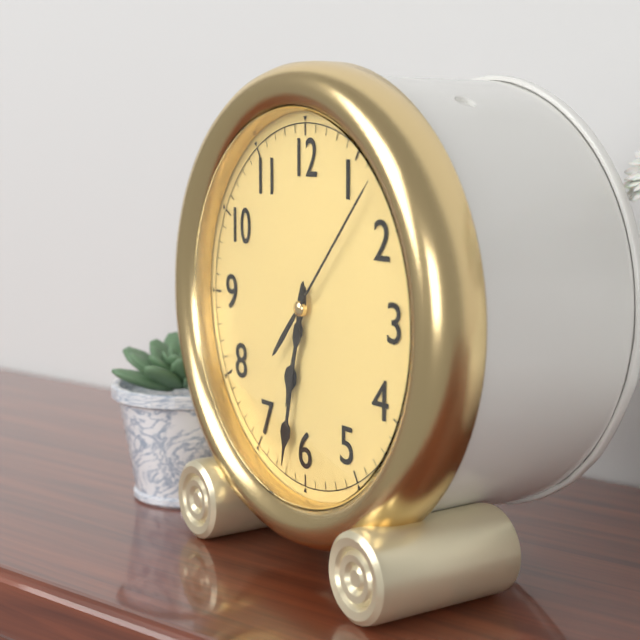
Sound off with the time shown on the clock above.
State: 6:32:07
